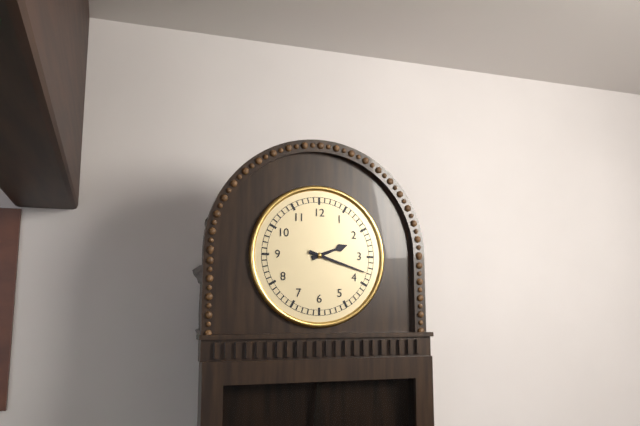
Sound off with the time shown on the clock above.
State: 2:18
